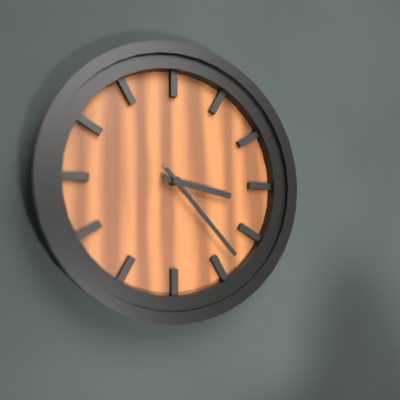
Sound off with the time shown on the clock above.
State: 3:23
